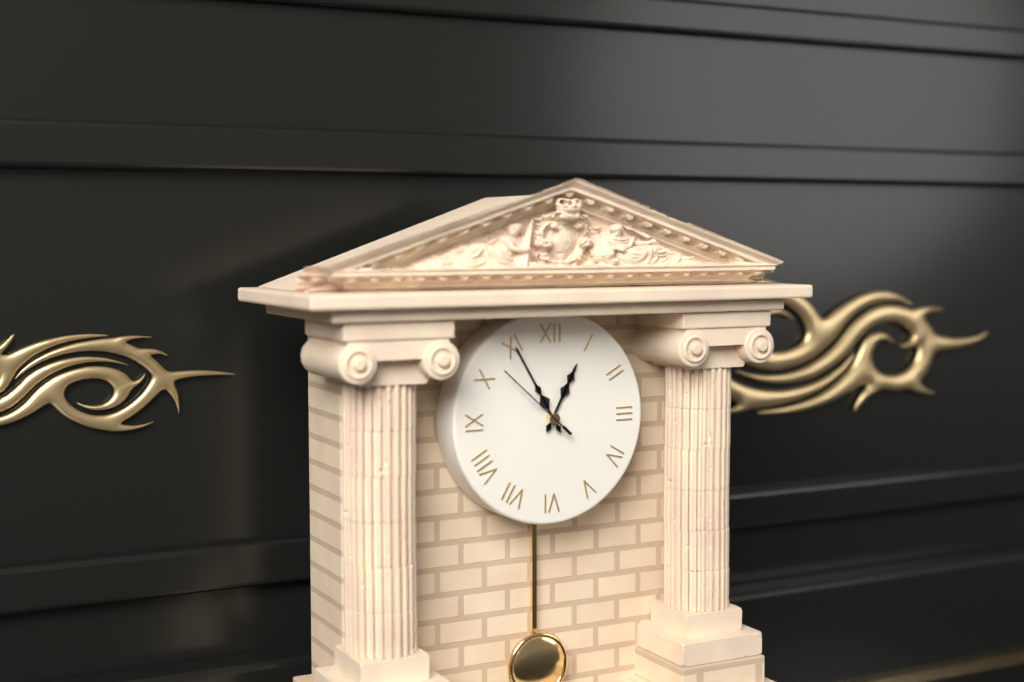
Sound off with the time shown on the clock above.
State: 12:55:52
